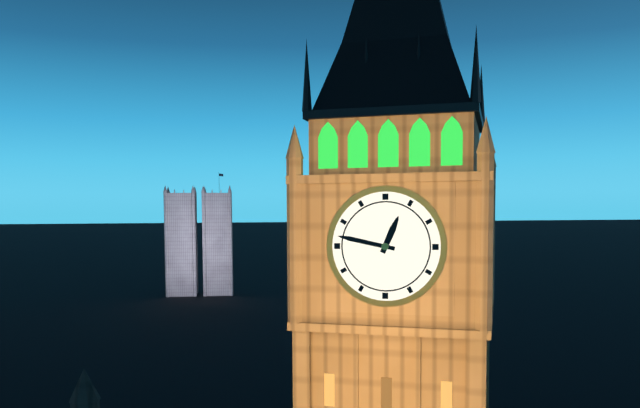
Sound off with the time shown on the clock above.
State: 12:47
